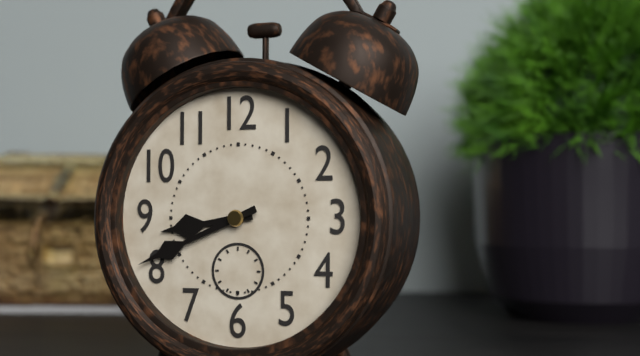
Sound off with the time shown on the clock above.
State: 8:41
